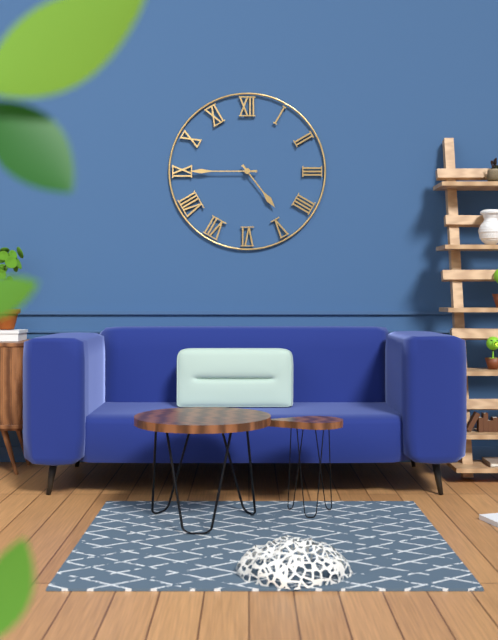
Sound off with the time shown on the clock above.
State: 4:45
